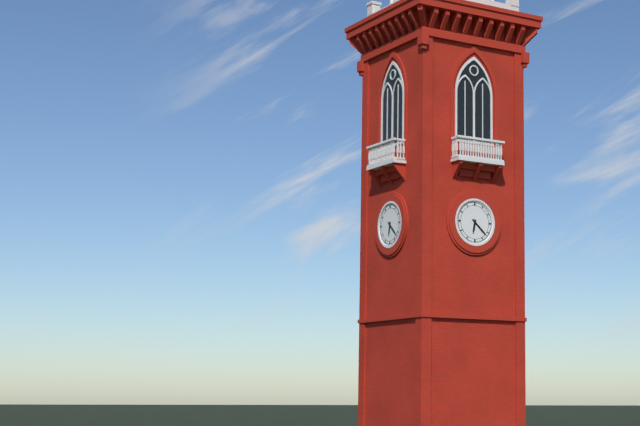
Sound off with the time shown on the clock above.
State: 6:22
